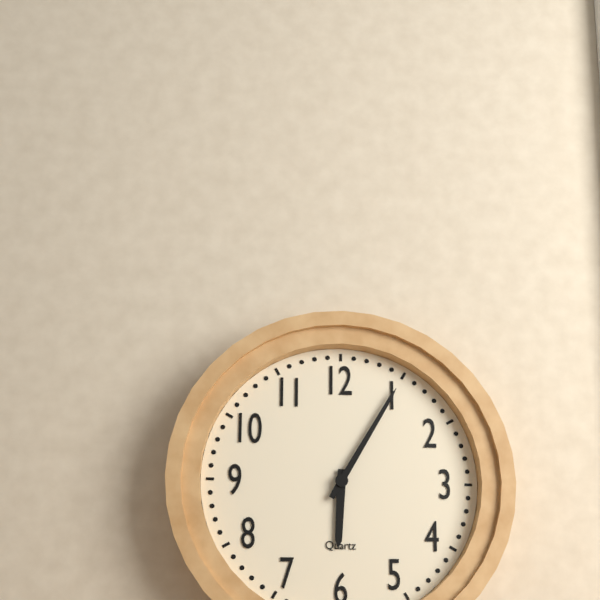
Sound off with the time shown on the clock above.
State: 6:05
